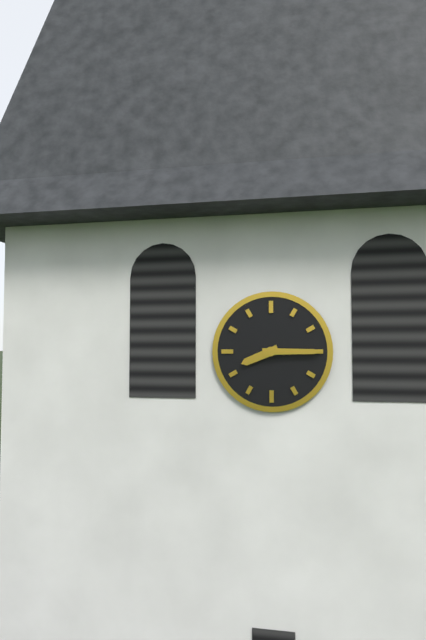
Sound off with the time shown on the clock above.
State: 8:15
